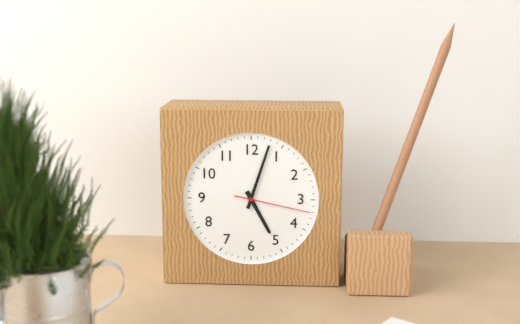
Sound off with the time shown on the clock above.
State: 5:03:17
